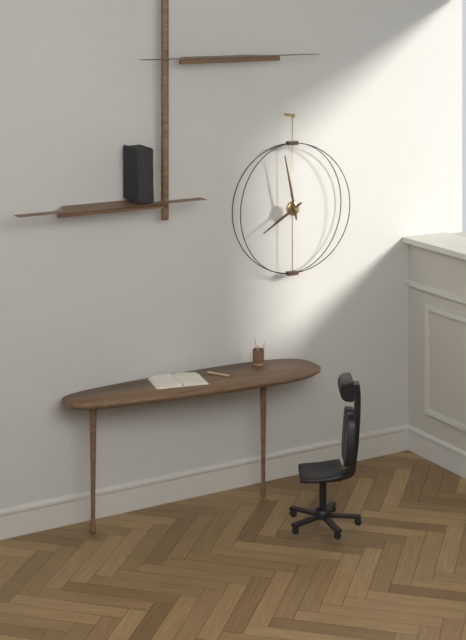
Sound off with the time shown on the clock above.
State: 7:58
